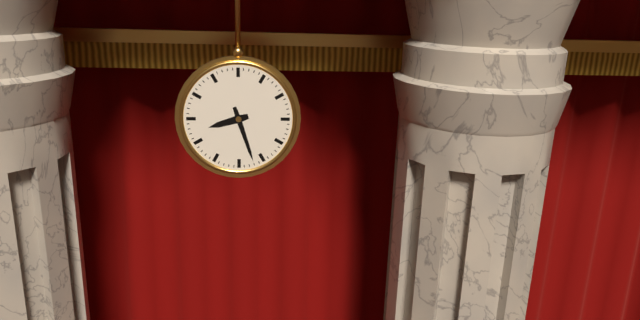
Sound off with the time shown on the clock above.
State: 8:27
